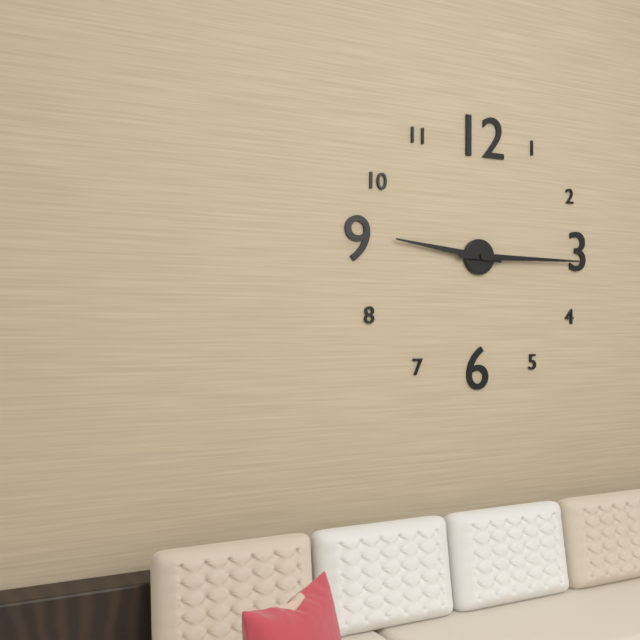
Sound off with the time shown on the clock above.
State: 9:15
